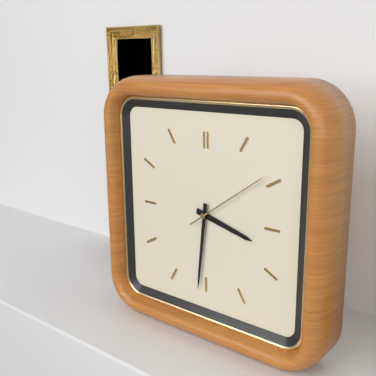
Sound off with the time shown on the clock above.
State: 3:31:09
